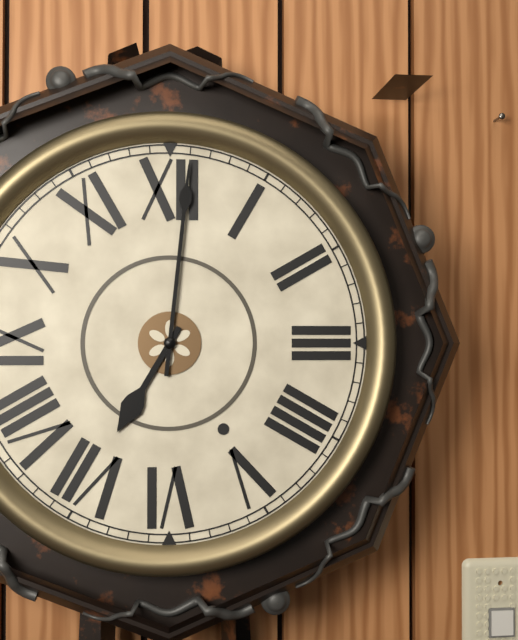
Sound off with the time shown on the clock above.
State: 7:01
